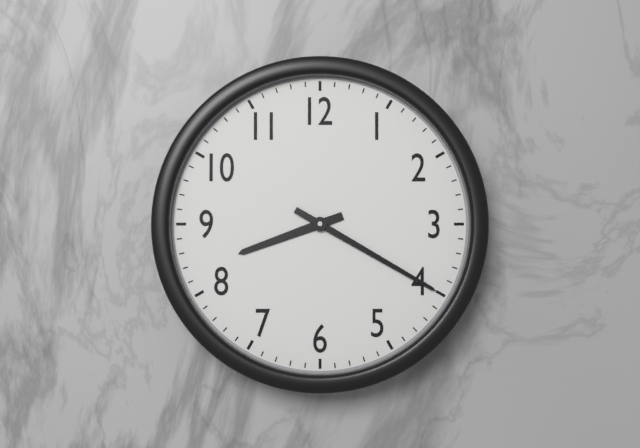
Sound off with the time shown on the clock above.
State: 8:20
